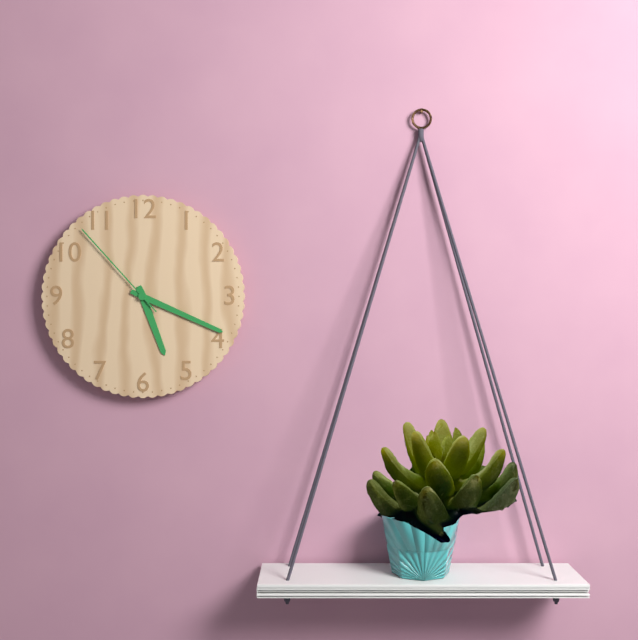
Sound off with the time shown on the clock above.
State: 5:19:53
